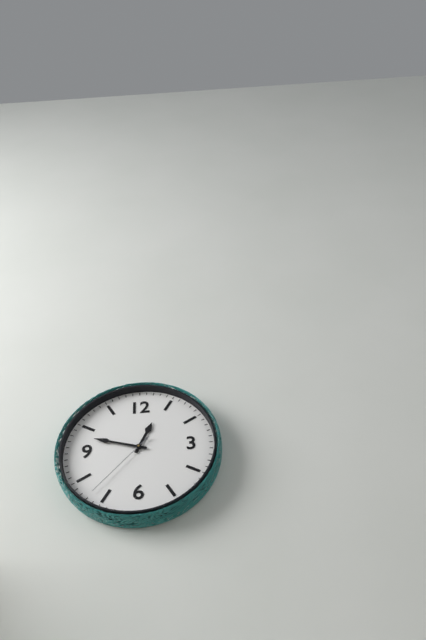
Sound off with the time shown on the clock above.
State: 12:48:37
